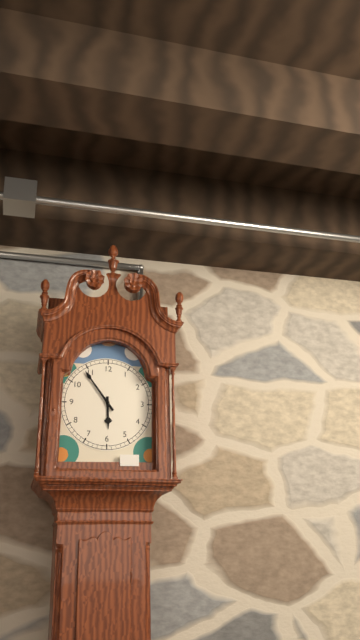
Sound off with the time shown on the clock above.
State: 5:54
